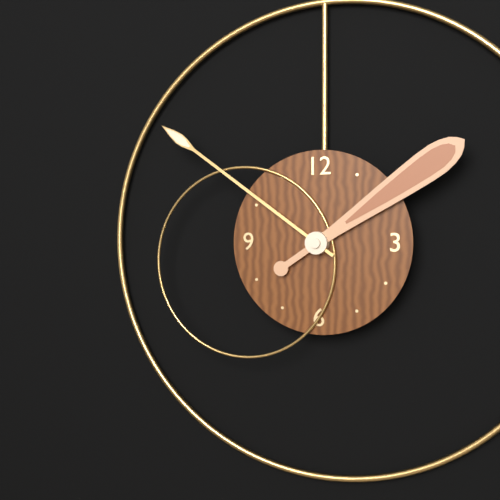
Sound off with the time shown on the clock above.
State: 1:51
